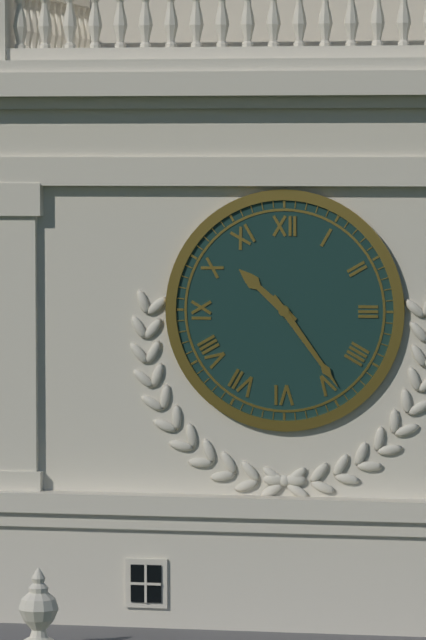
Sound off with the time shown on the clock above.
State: 10:24
